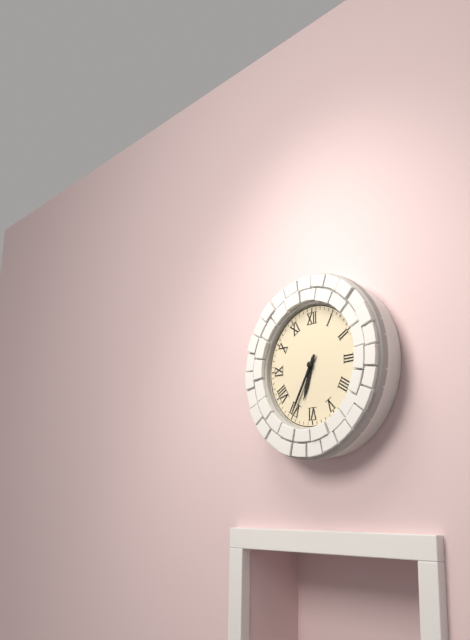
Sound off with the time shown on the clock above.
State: 6:35
